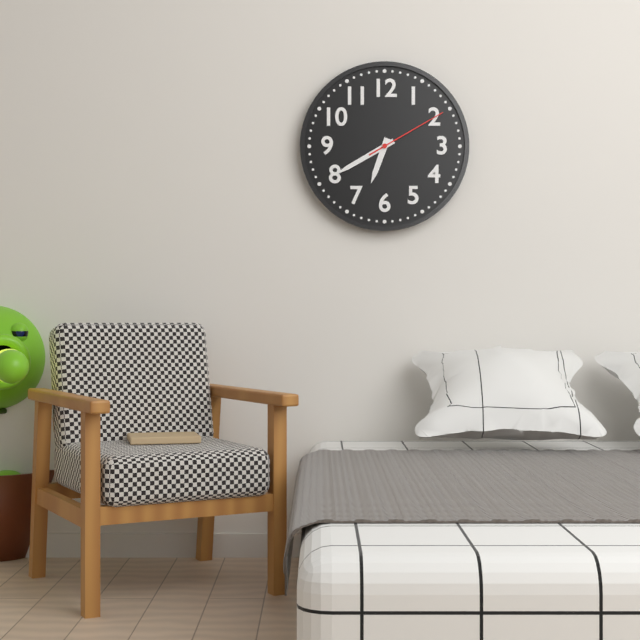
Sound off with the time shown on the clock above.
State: 6:40:10
